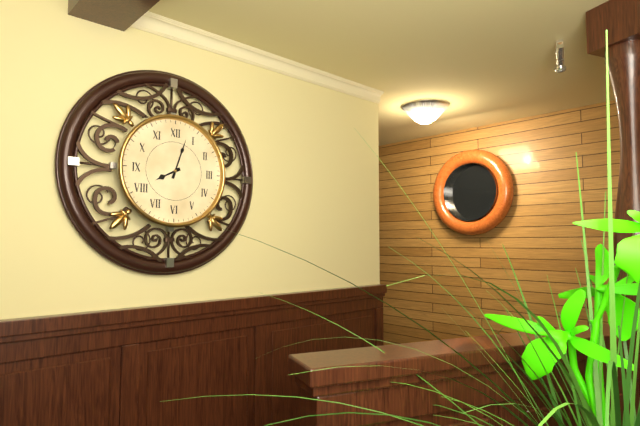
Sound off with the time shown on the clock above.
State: 8:03
